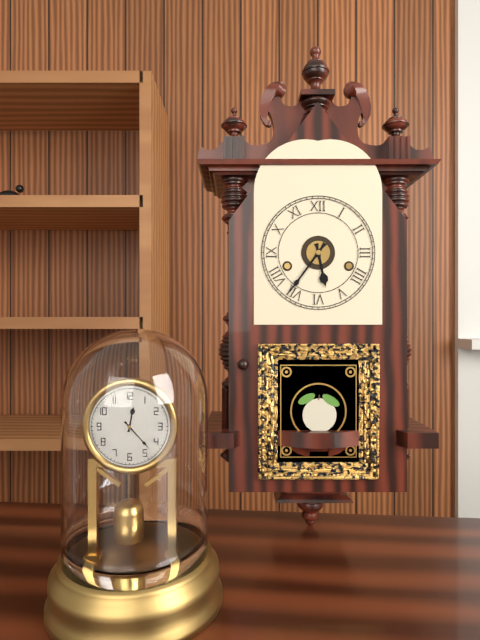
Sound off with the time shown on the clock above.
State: 5:36
